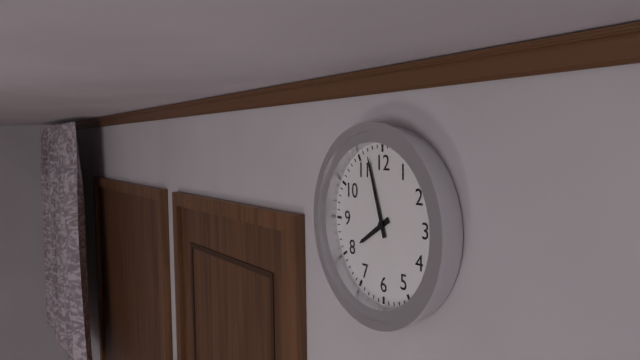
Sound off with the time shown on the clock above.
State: 7:57
